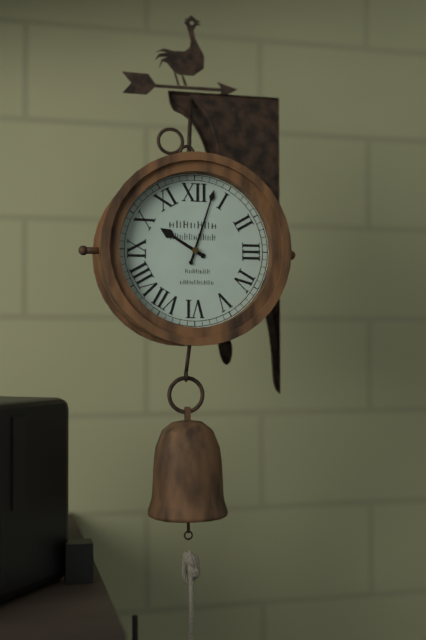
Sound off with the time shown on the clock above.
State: 10:03
